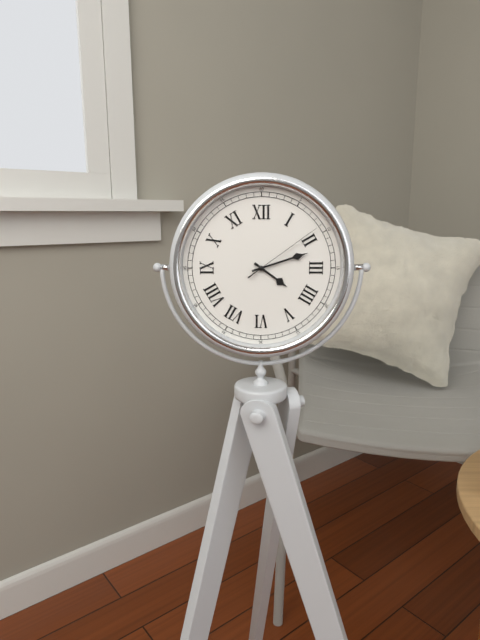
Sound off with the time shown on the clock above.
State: 4:12:09
